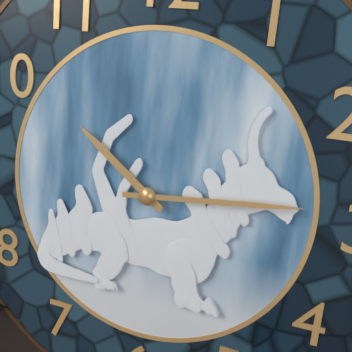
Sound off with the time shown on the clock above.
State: 10:14
